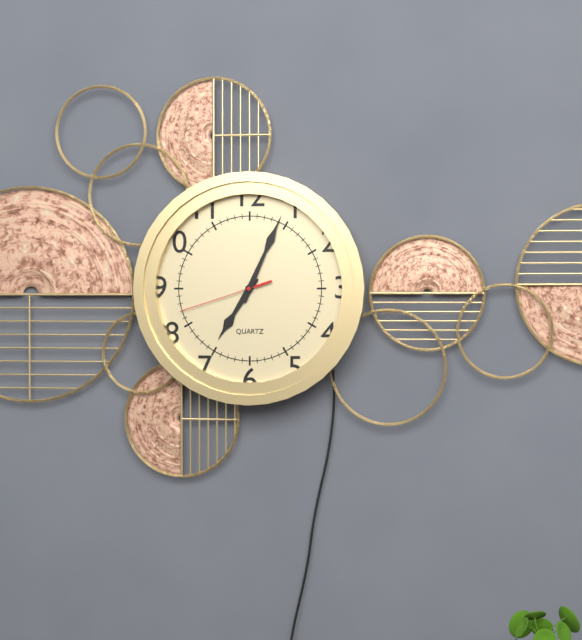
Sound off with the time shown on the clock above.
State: 7:04:42
